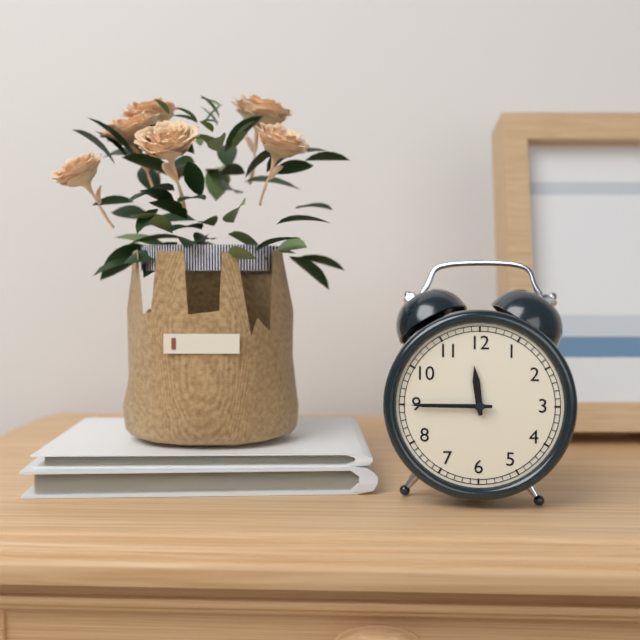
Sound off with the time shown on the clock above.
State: 11:45
